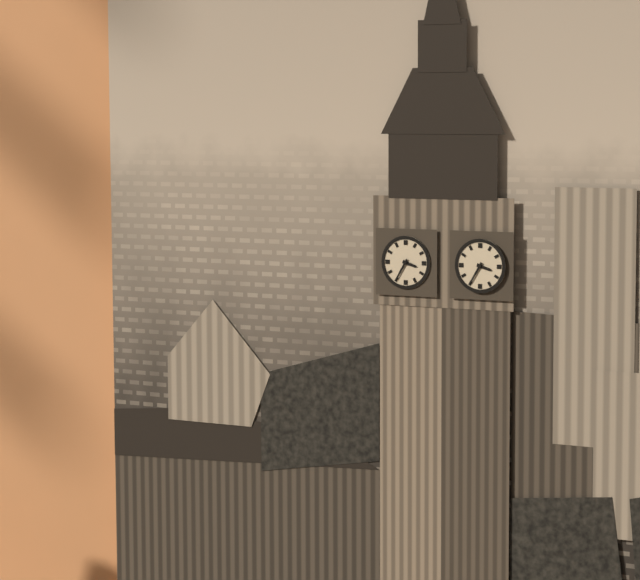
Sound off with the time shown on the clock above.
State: 3:35
